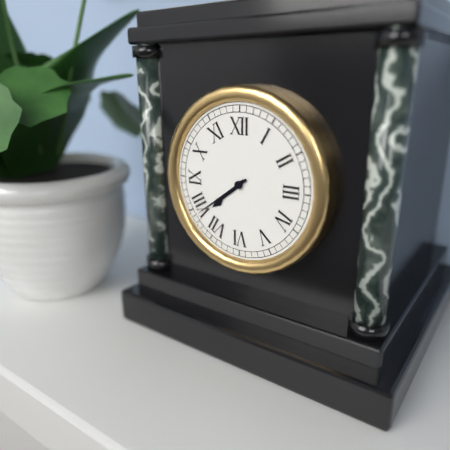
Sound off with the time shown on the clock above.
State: 7:39
